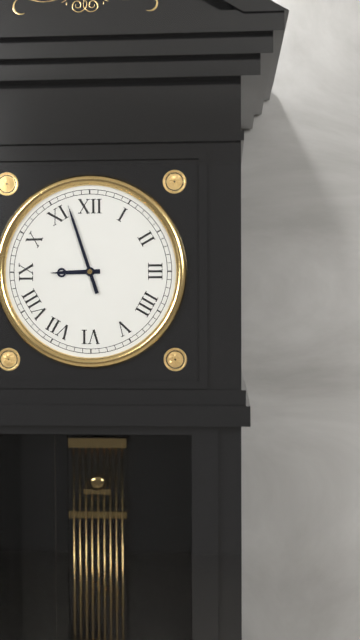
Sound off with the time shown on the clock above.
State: 8:57
